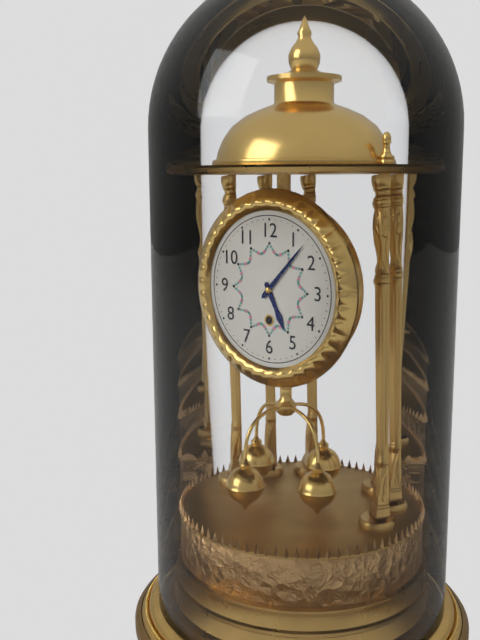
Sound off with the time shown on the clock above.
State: 5:07
